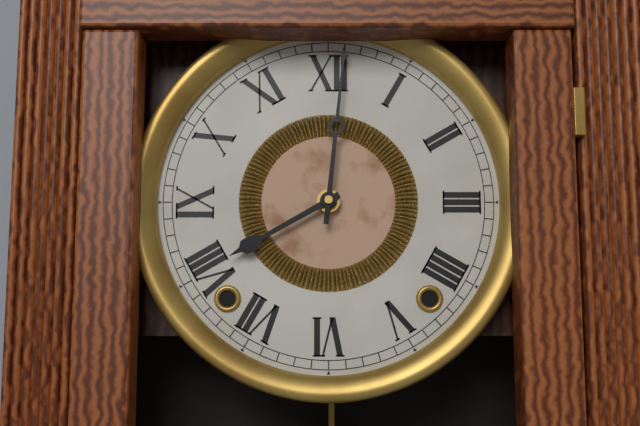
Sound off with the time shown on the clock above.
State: 8:01
